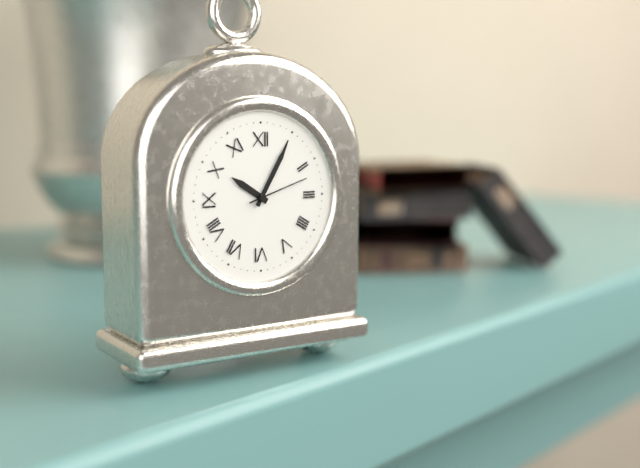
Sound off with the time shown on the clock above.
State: 10:05:12
